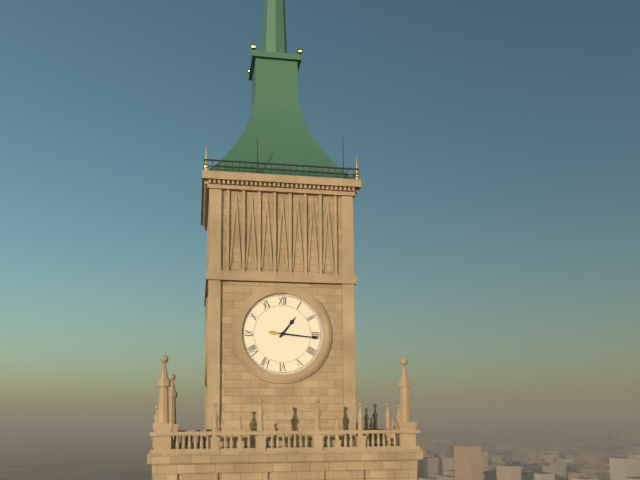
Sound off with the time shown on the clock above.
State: 1:16
